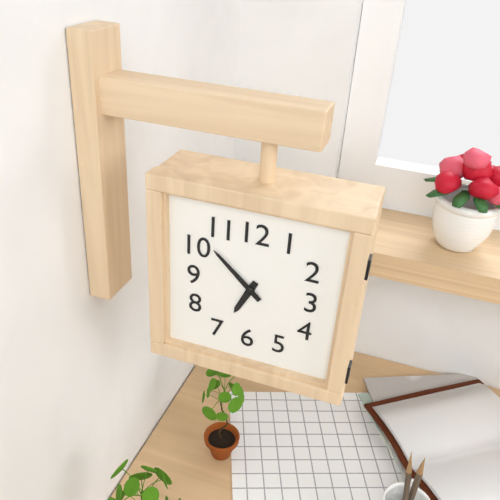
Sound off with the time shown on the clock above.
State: 6:52
